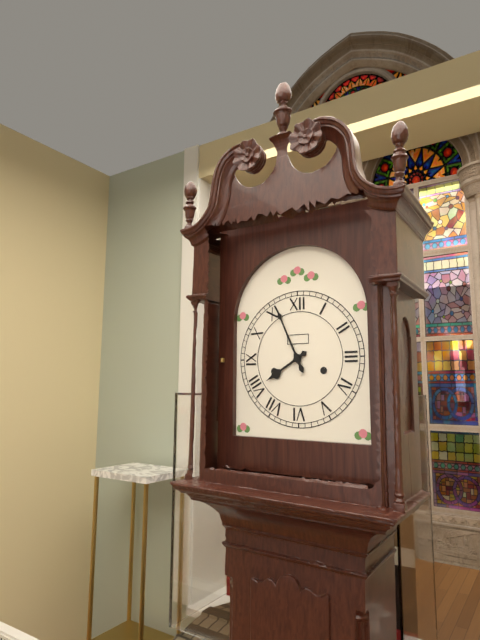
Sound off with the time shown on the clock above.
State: 7:56
